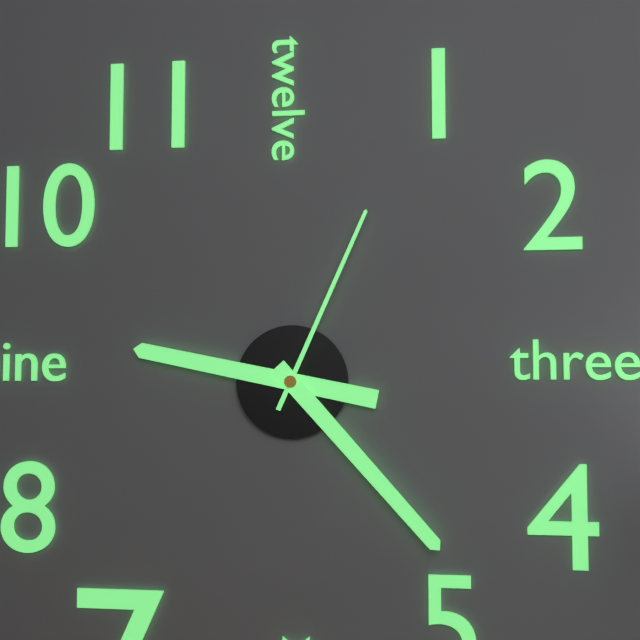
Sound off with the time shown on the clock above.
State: 9:23:04
